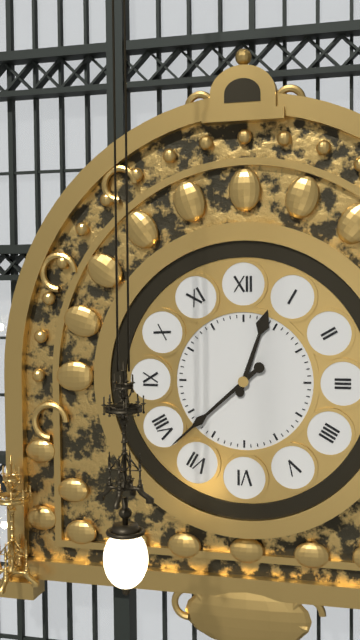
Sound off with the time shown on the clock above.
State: 12:38
